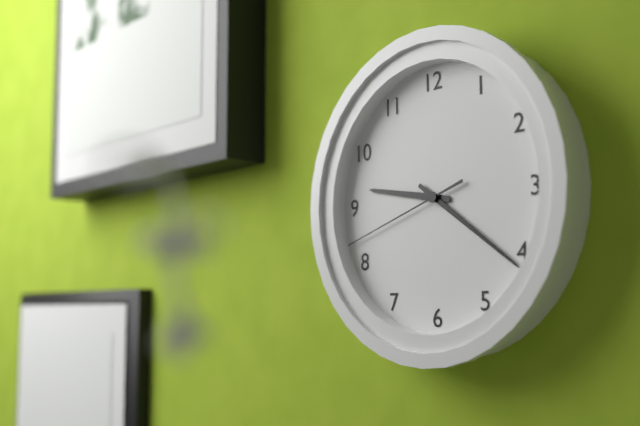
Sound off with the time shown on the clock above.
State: 9:21:42
